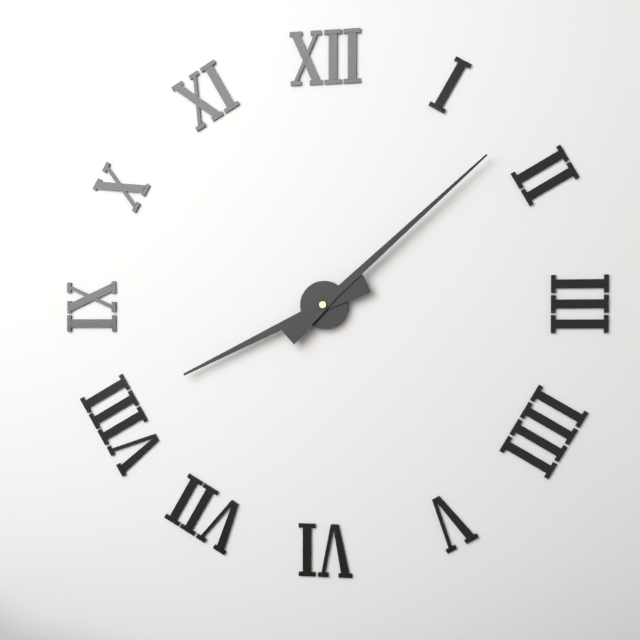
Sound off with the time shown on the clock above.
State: 8:08
